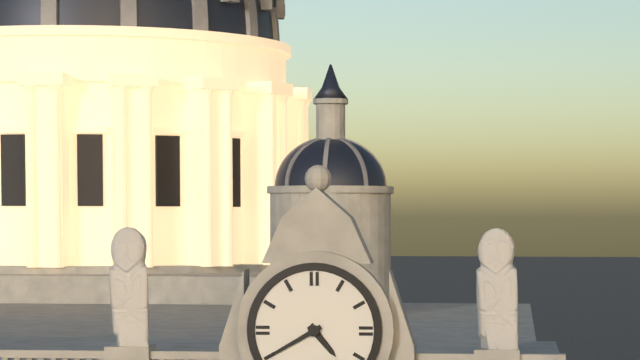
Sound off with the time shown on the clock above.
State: 4:40
